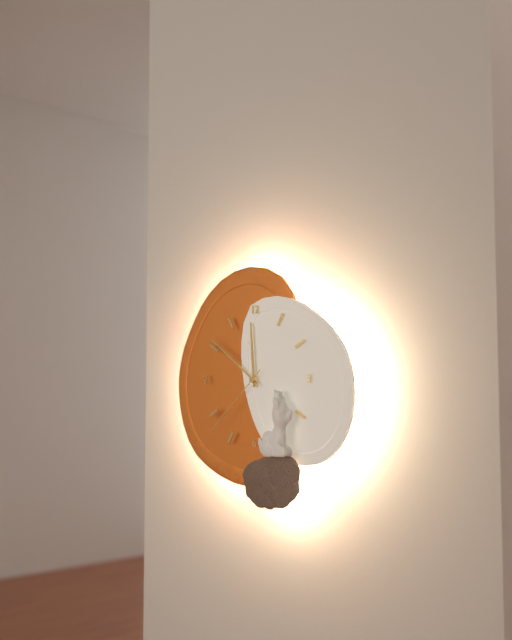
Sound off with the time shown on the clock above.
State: 11:51:38
